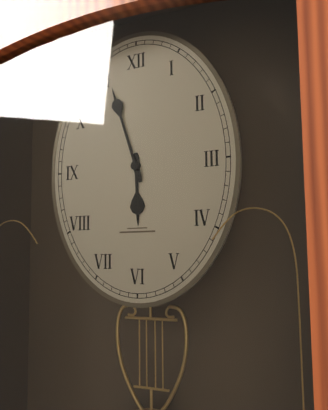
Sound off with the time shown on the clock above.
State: 5:57
